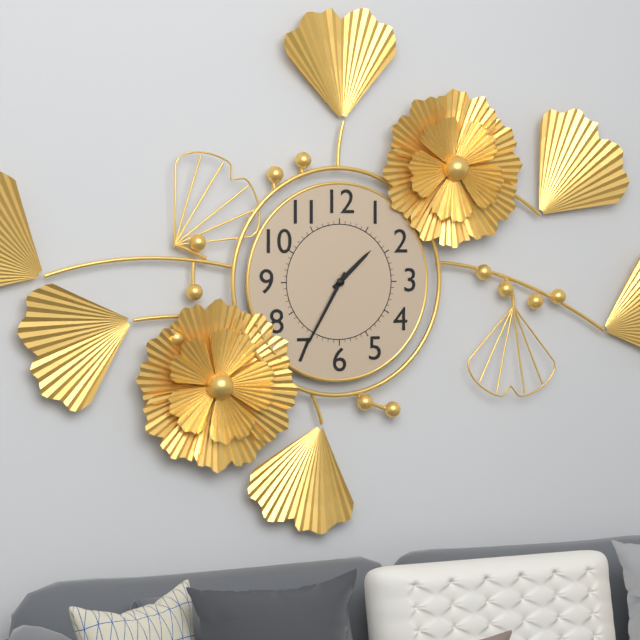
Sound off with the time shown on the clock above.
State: 1:35
